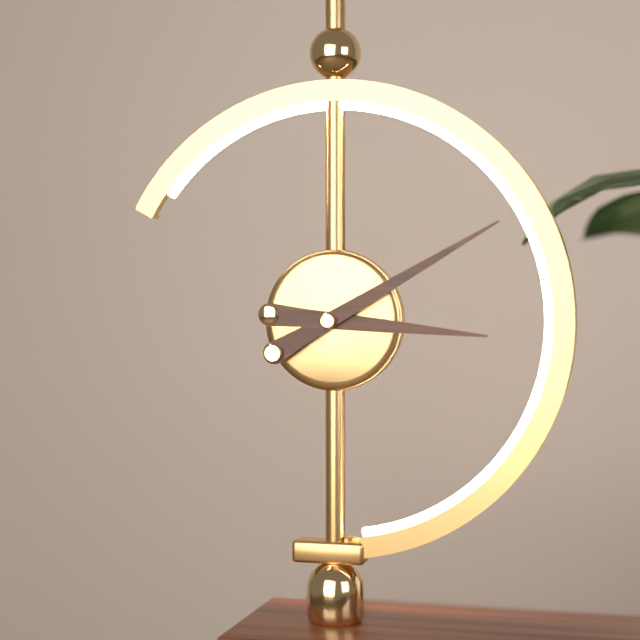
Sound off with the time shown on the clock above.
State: 3:10
